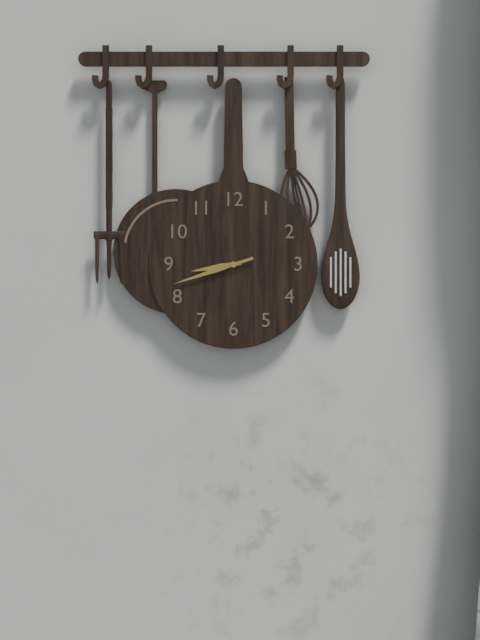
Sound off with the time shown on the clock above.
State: 8:42
